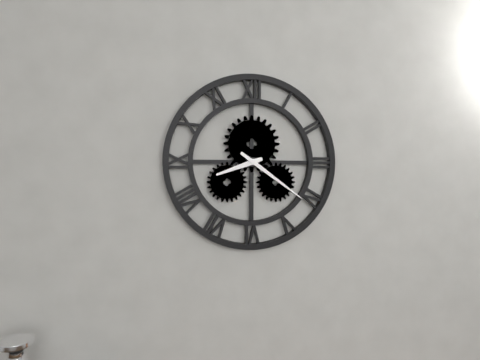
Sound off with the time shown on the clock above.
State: 8:21
